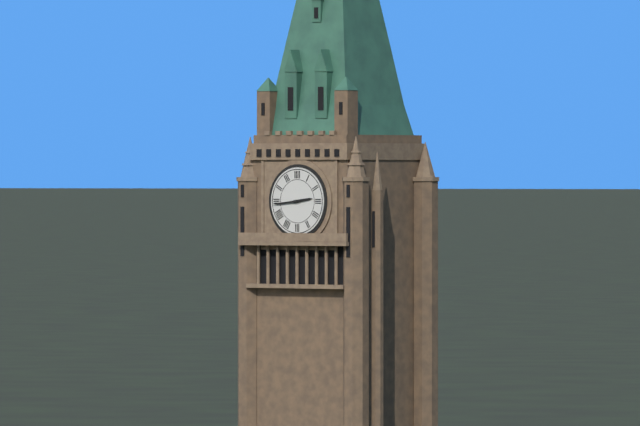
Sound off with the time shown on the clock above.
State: 2:44
